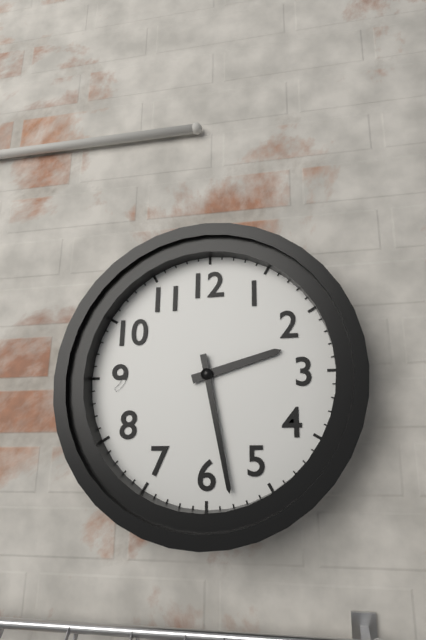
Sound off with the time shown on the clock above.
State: 2:28
